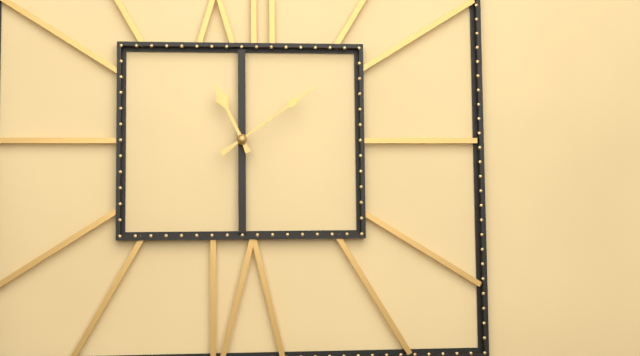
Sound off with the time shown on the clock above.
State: 11:09
